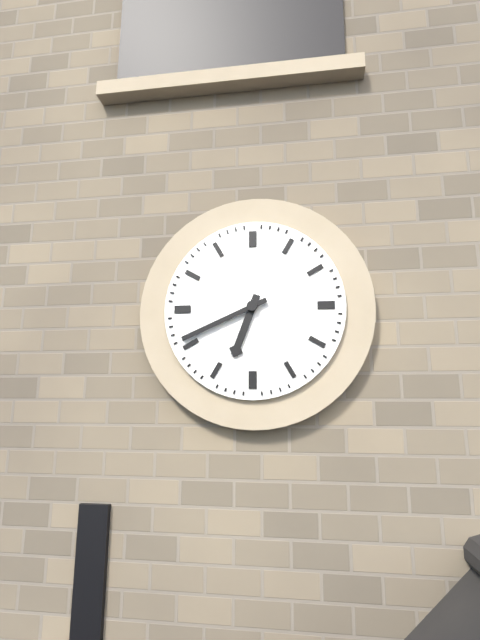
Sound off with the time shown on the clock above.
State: 6:41
